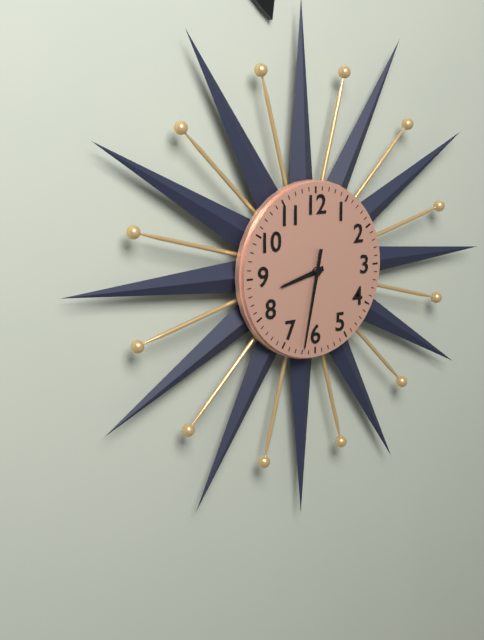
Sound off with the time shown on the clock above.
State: 8:32
